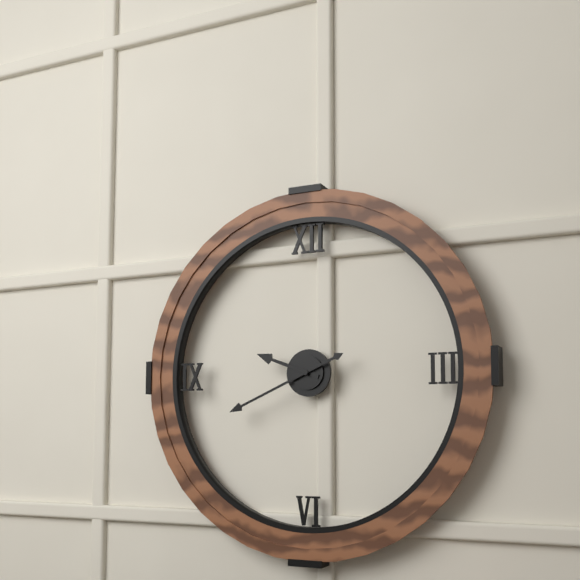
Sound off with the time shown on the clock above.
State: 9:41
